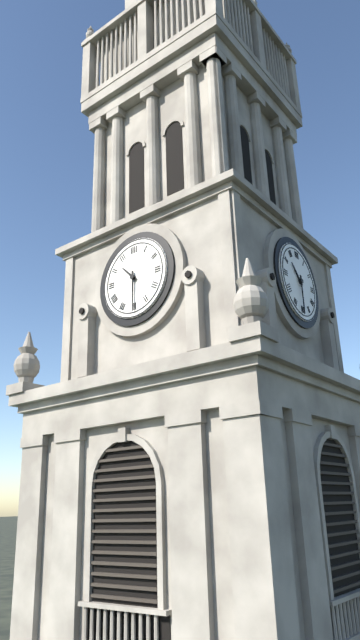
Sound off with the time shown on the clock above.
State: 10:30
